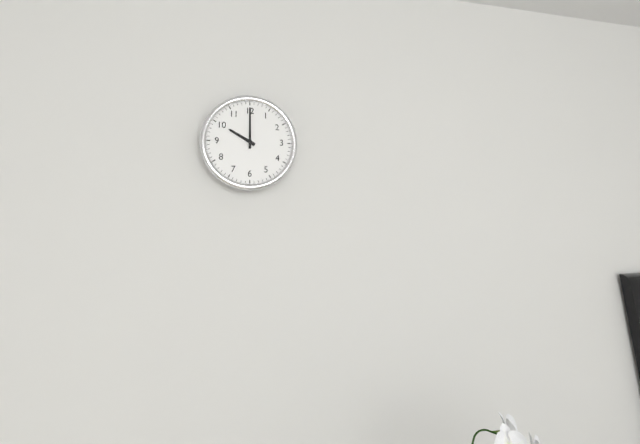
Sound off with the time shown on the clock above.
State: 10:00
